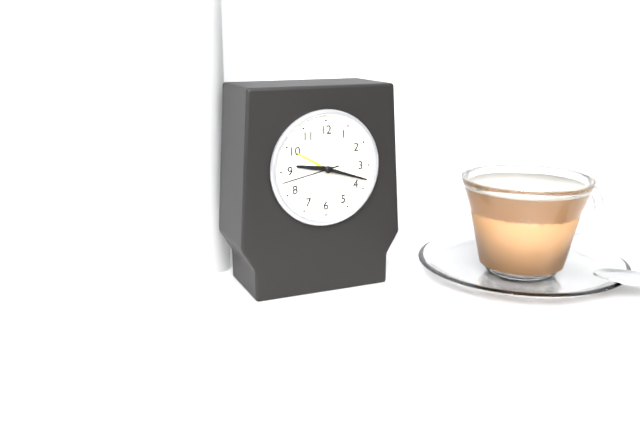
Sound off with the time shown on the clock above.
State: 9:18:43
